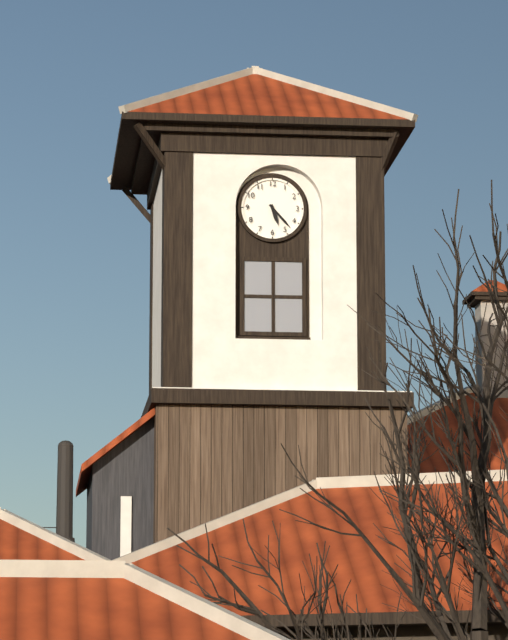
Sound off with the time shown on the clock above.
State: 5:23
